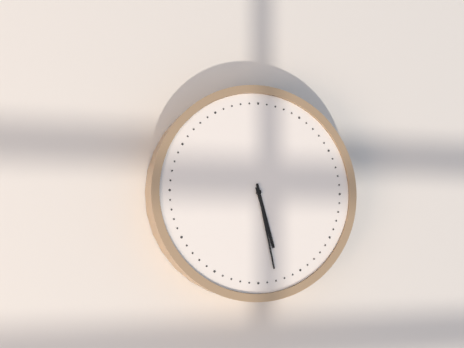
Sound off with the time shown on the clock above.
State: 5:28
